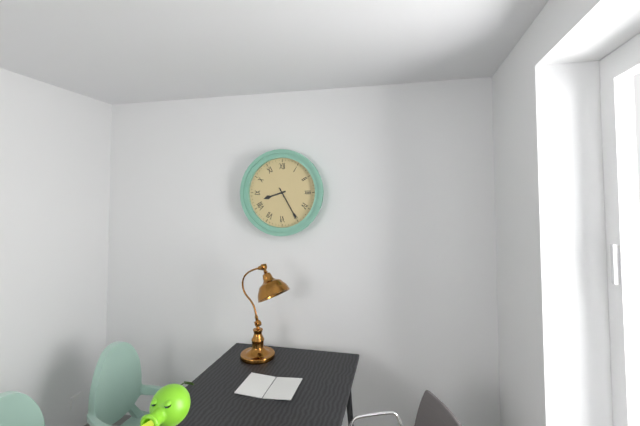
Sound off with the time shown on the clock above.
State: 8:25
